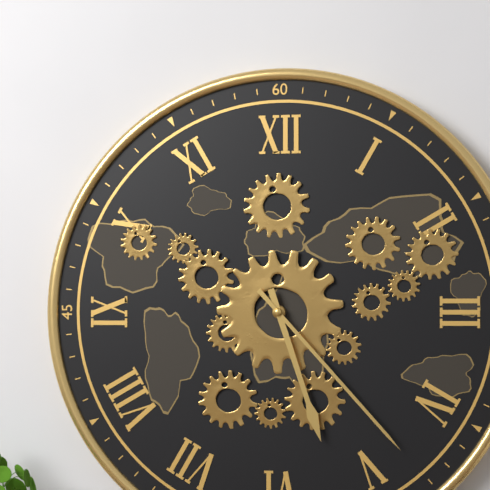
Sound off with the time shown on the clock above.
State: 5:23
